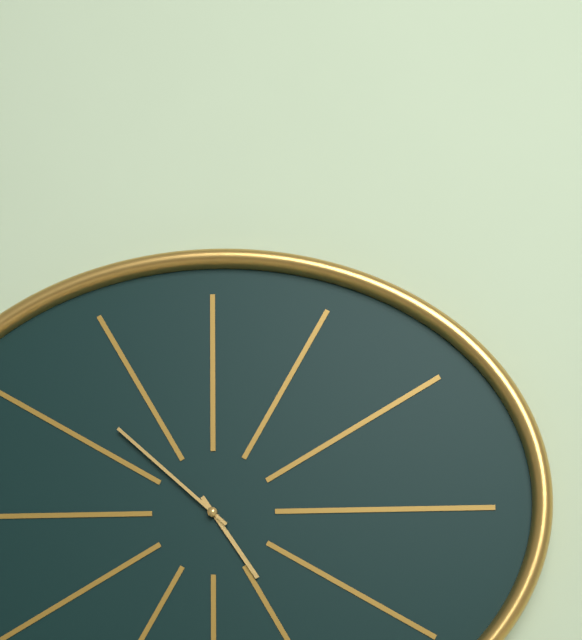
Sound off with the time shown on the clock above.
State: 4:52
